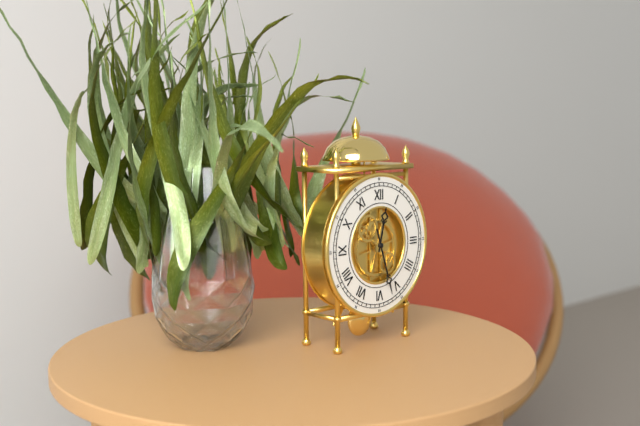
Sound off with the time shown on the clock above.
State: 12:27
